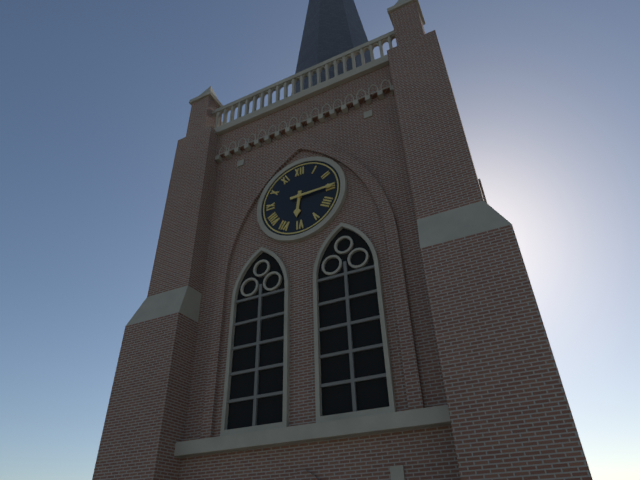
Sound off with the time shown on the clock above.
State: 6:15
